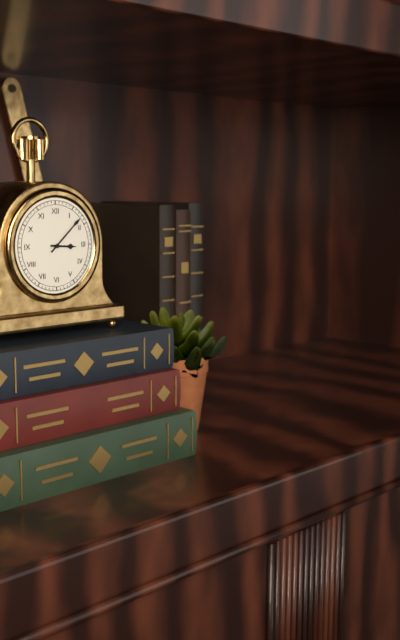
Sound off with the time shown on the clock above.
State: 3:08
